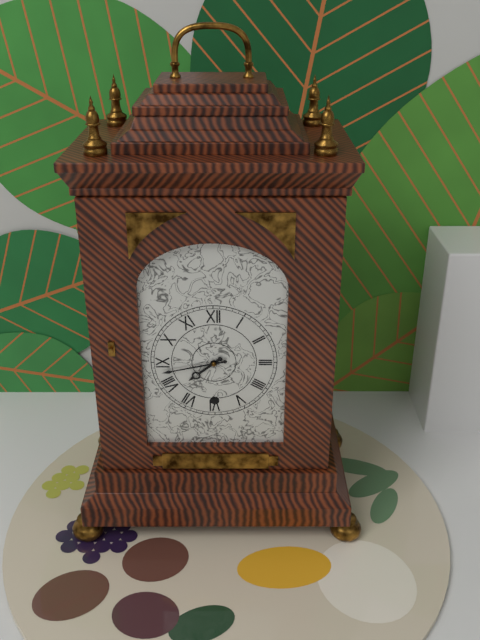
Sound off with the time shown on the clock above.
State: 7:43
